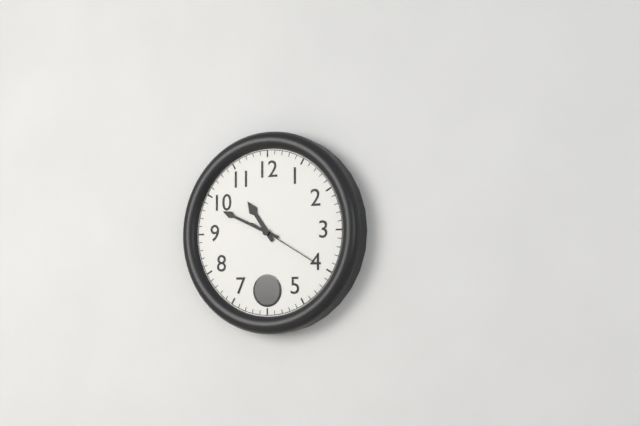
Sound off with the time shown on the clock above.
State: 10:49:20
